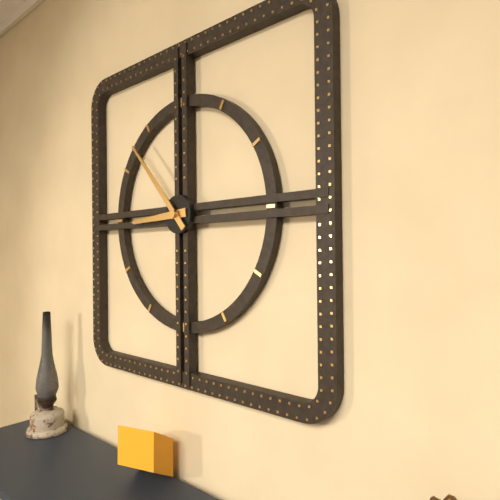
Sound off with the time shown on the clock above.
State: 8:53
